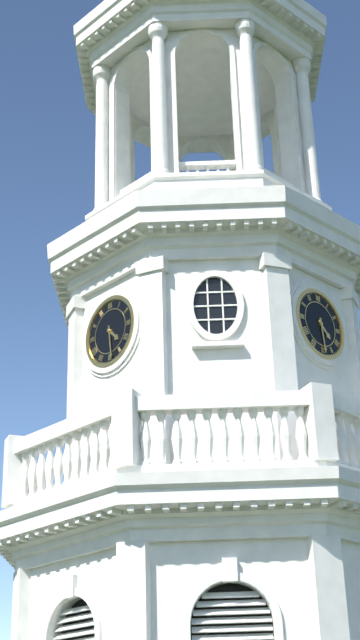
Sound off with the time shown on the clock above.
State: 4:29
